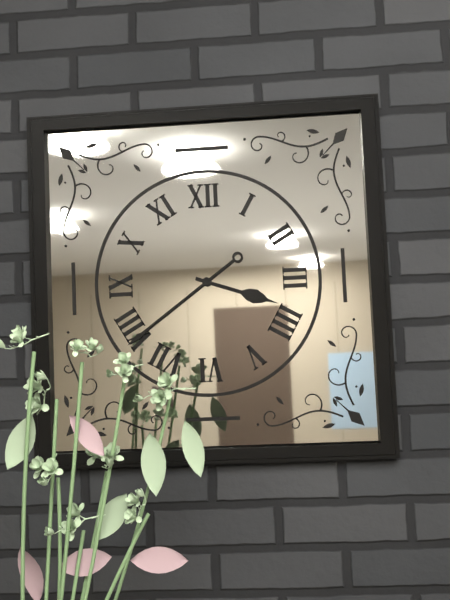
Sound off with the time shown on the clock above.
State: 3:39
